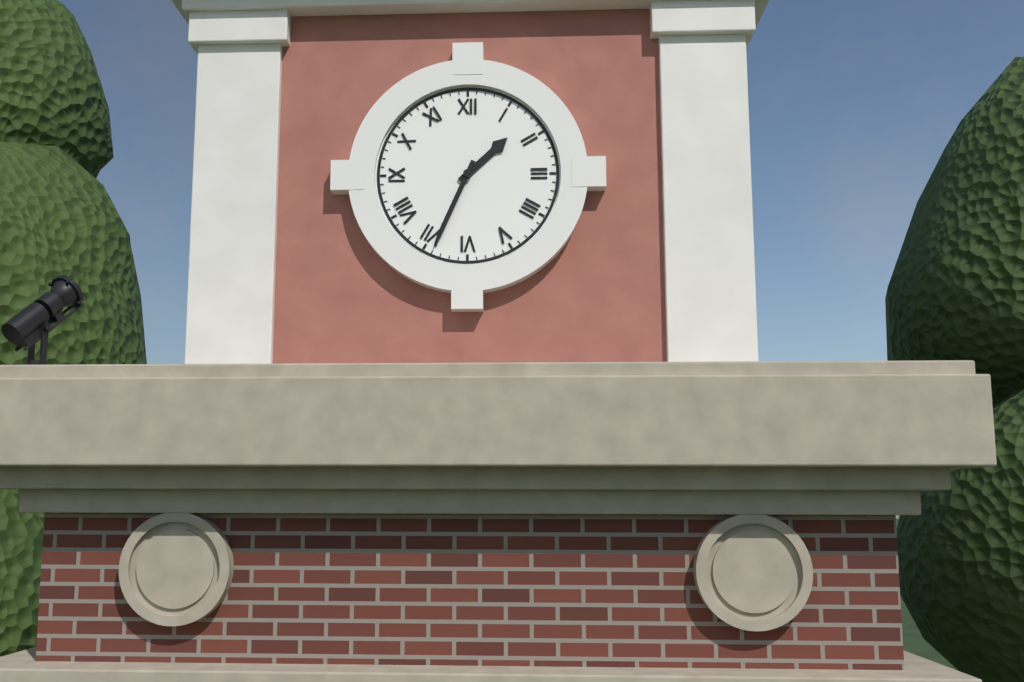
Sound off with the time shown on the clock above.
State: 1:34
